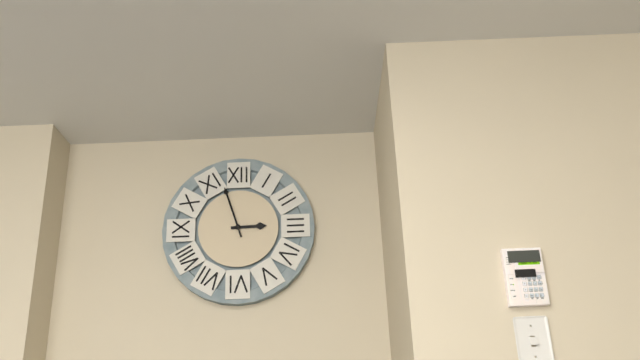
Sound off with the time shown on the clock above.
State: 2:57
